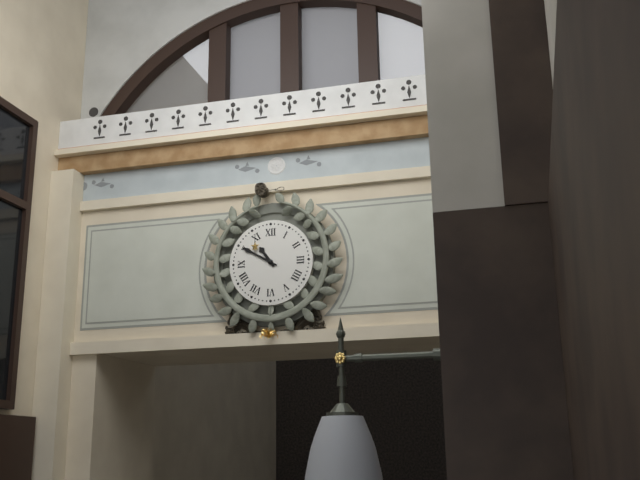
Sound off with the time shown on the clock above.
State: 10:50
